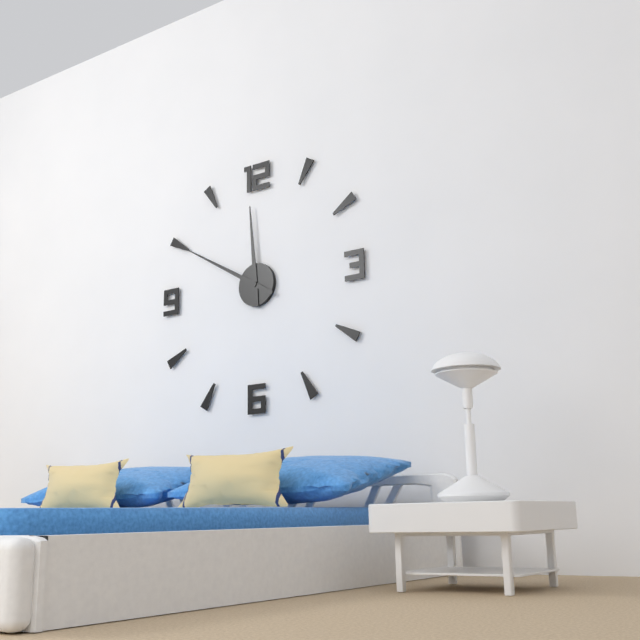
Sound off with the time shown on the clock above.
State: 11:50
